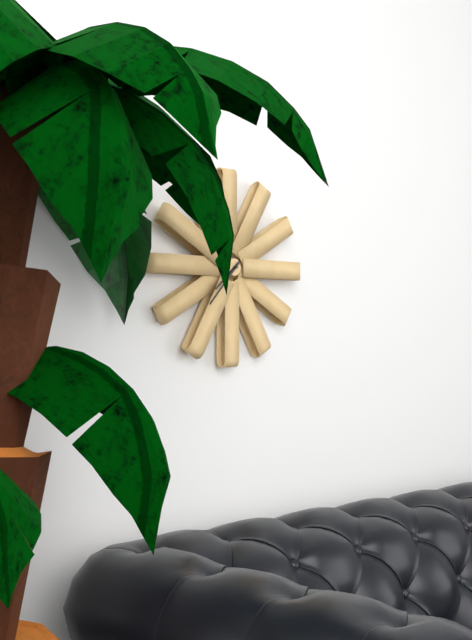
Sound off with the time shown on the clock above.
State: 7:37
